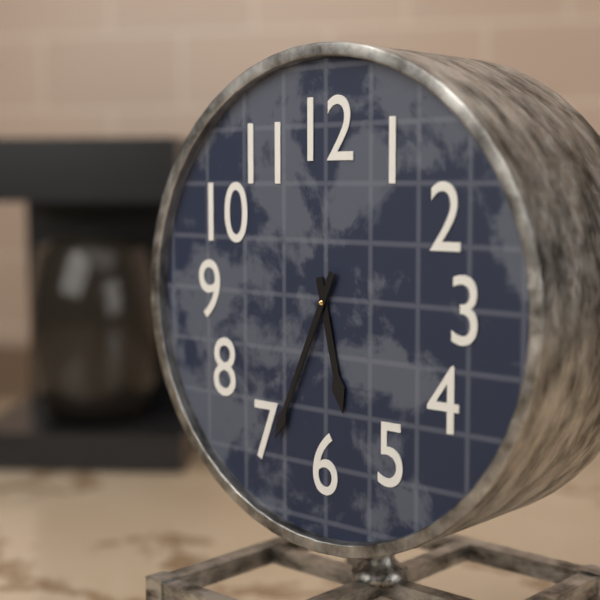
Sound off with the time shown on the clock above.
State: 5:34
